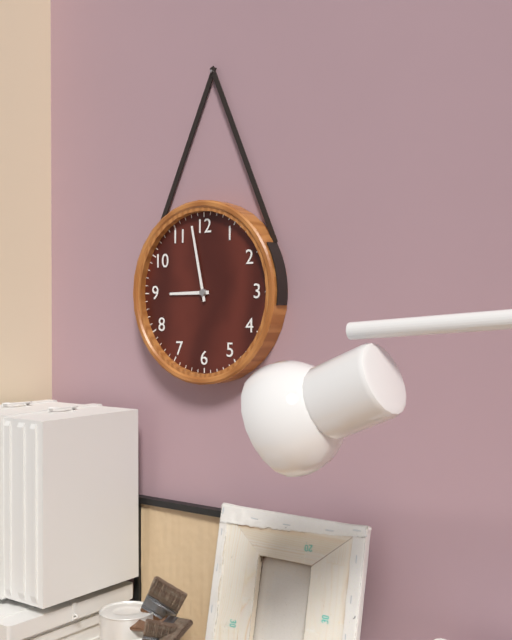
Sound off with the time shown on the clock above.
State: 8:58
